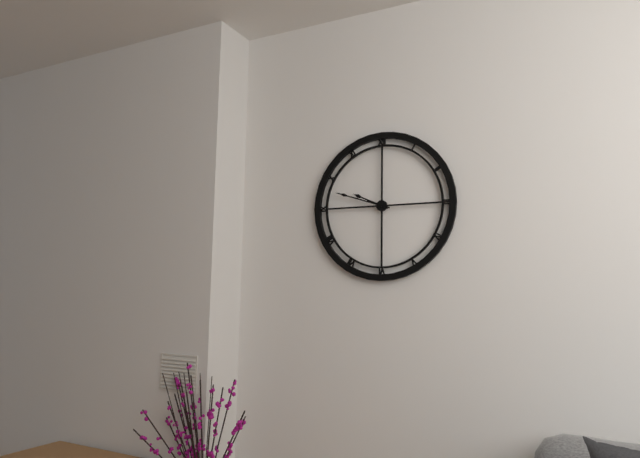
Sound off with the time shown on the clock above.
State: 9:48
